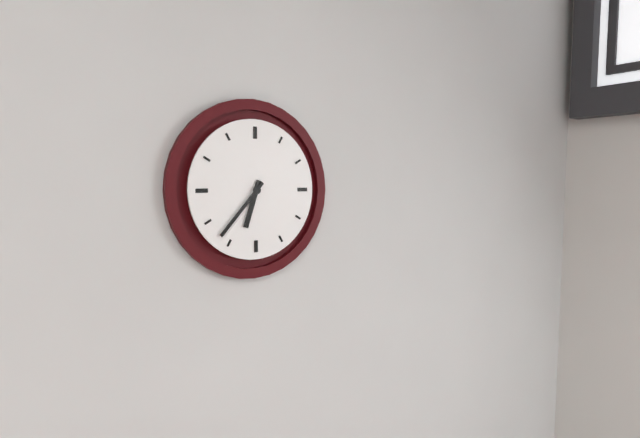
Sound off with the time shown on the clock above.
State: 6:37
